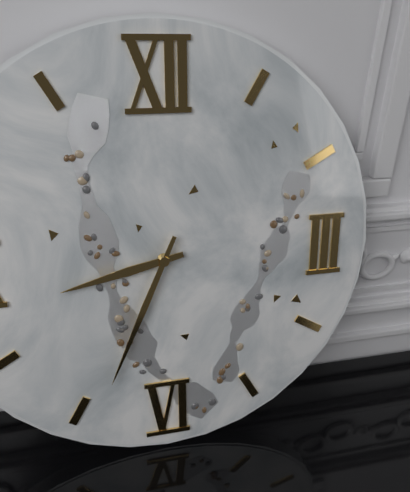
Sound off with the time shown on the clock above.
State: 8:34
